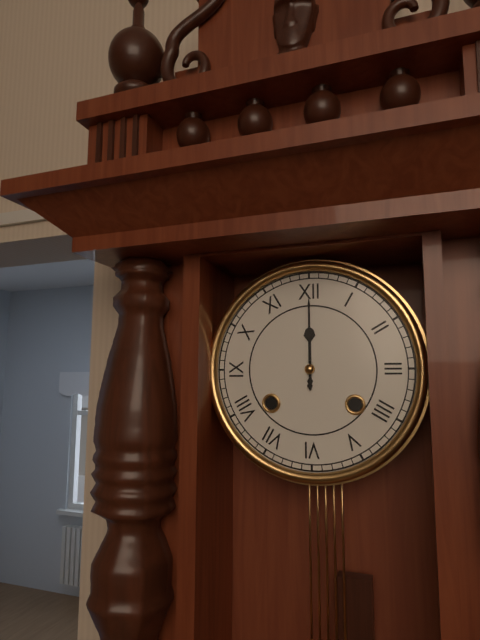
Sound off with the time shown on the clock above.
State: 12:00
